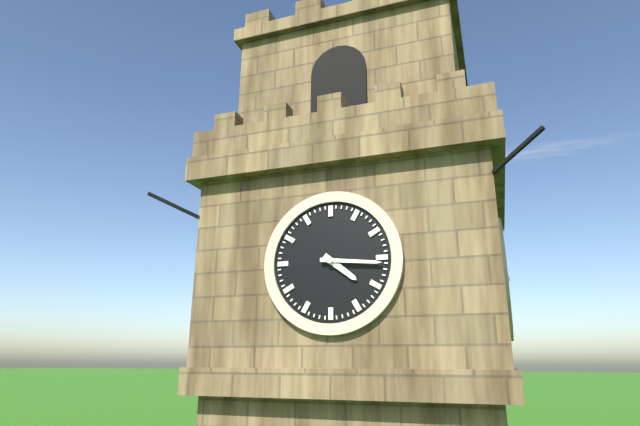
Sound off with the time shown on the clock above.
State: 4:16
